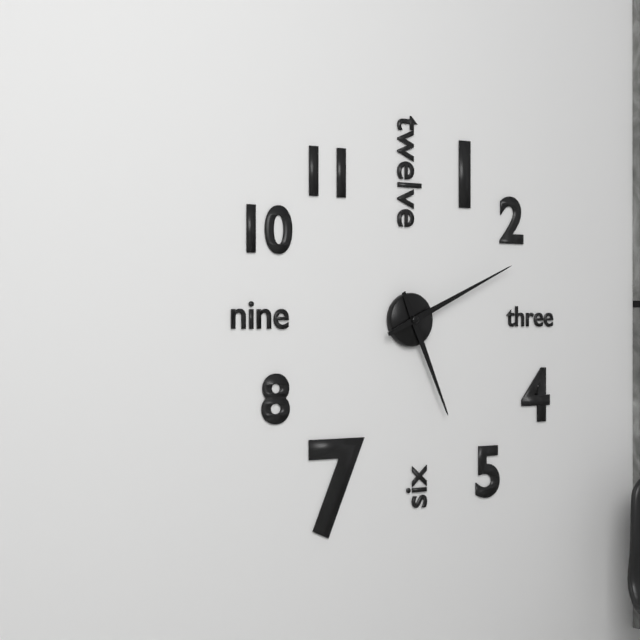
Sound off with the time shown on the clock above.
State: 5:11
